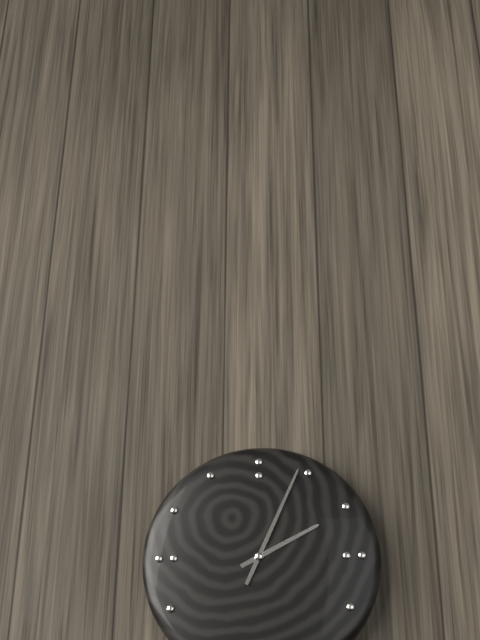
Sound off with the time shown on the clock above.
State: 2:04
